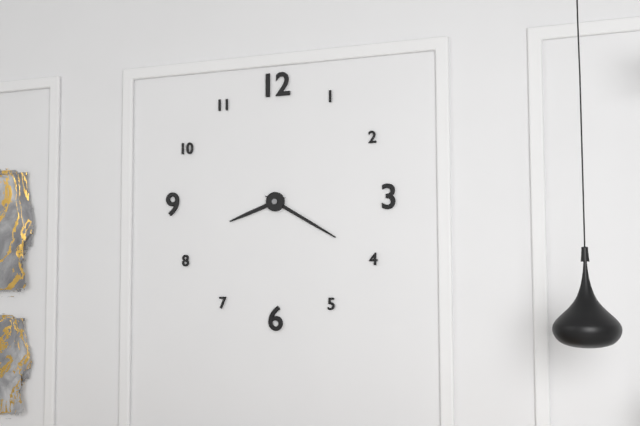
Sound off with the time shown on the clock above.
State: 8:20
